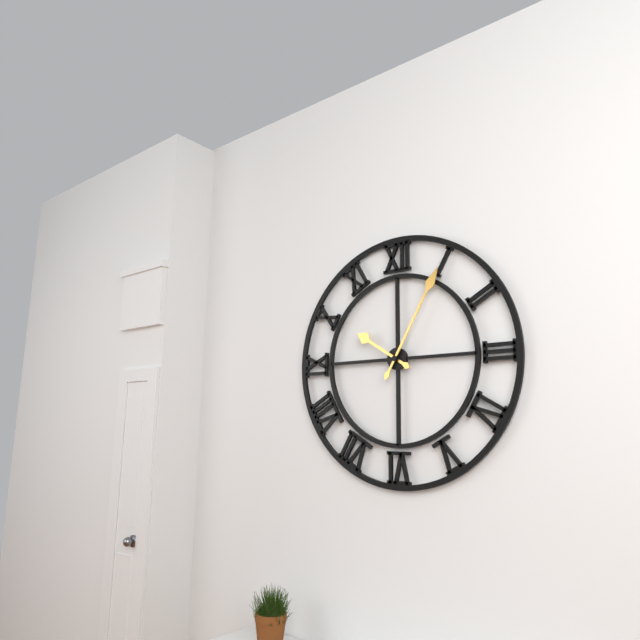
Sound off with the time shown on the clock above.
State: 10:05
